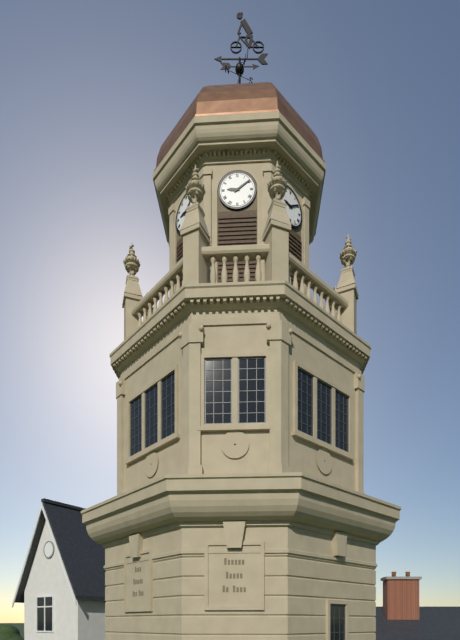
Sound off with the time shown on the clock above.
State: 9:09
